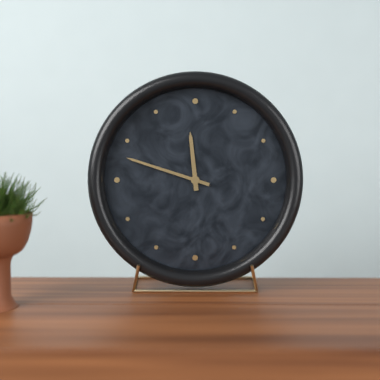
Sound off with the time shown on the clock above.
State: 11:48
